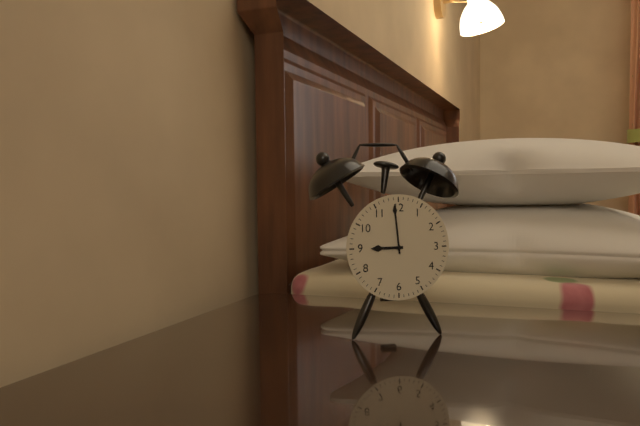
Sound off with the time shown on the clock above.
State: 8:59
